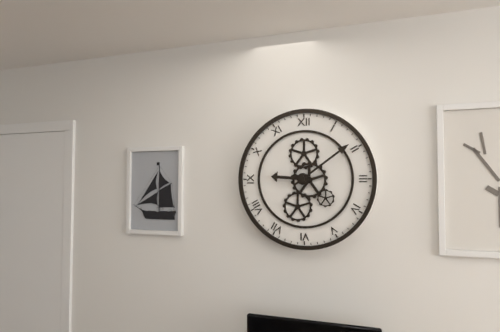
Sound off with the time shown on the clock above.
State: 9:09
